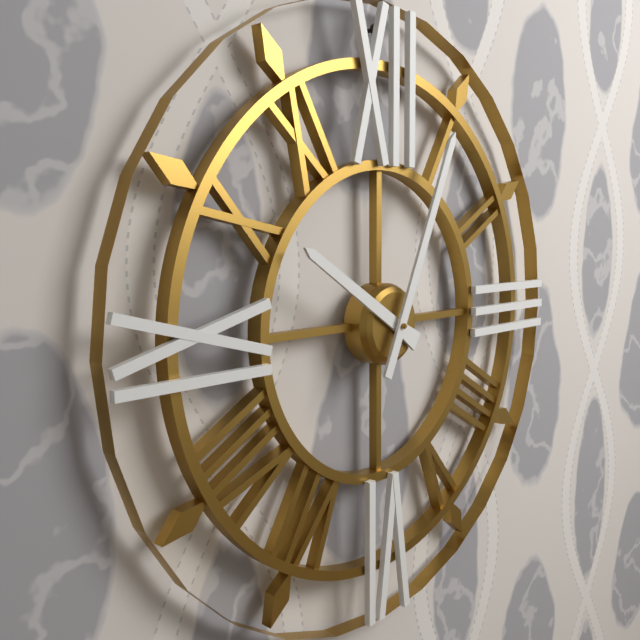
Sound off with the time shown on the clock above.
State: 10:04
